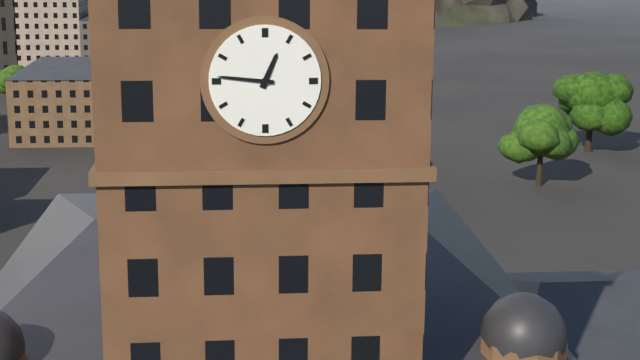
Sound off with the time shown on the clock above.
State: 12:46
